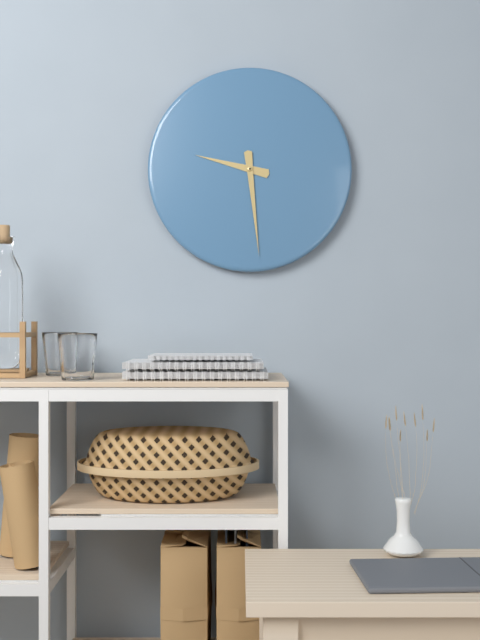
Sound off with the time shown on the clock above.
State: 9:29
